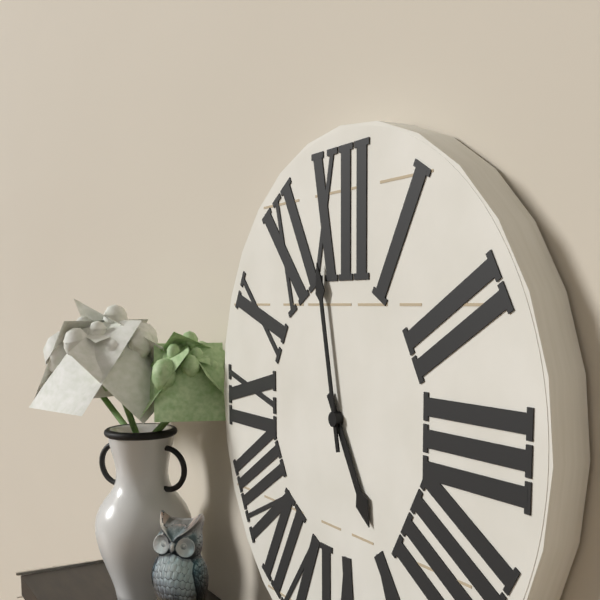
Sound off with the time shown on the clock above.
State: 4:58
